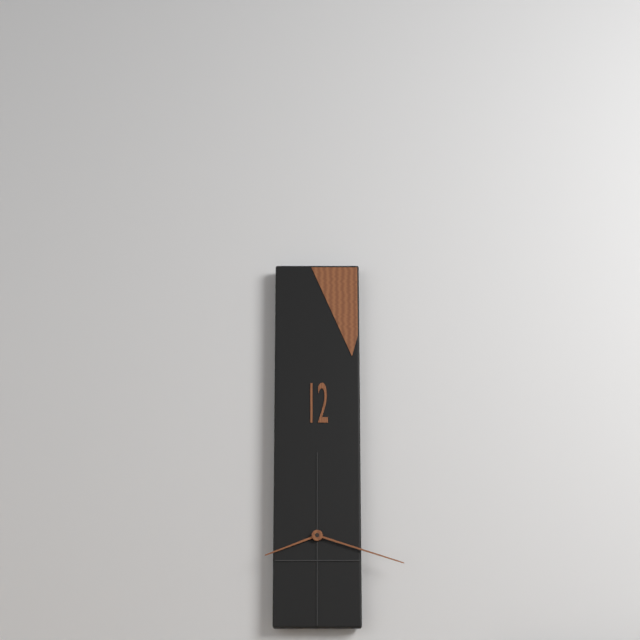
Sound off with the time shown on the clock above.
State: 8:18
